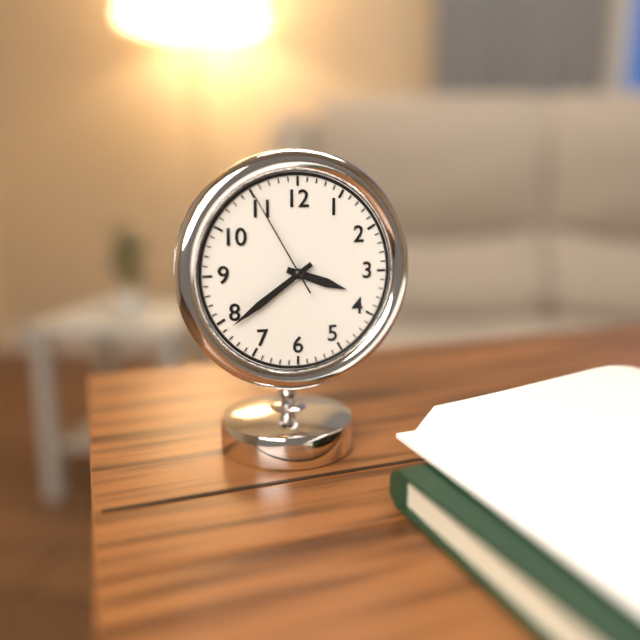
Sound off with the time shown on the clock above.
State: 3:39:55
